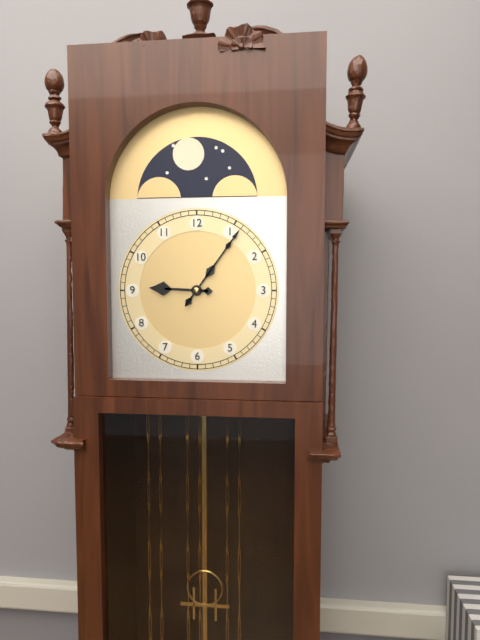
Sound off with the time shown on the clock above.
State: 9:06
